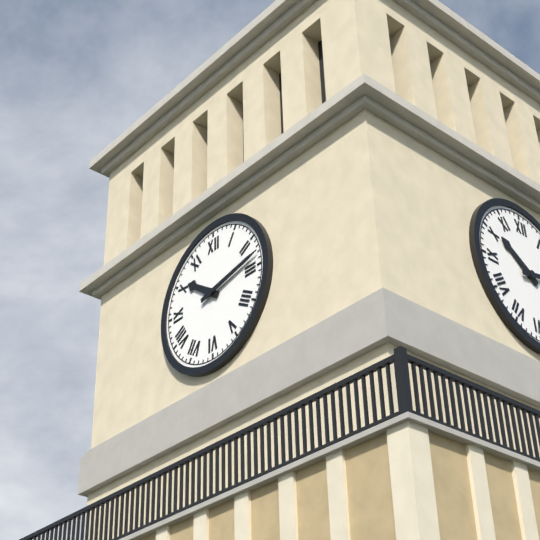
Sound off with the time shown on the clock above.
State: 10:13
